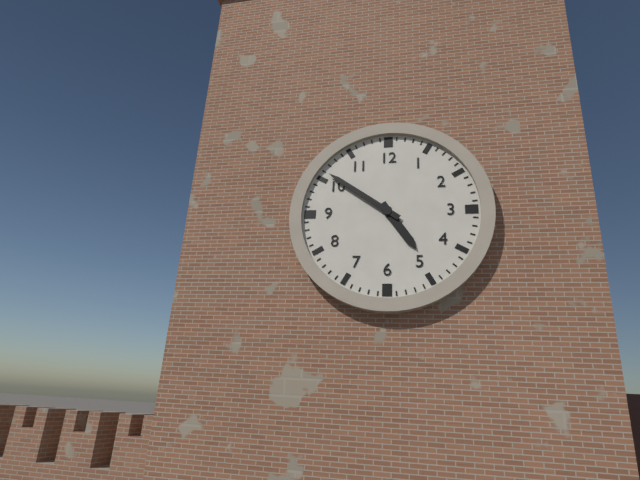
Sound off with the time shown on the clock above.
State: 4:51
